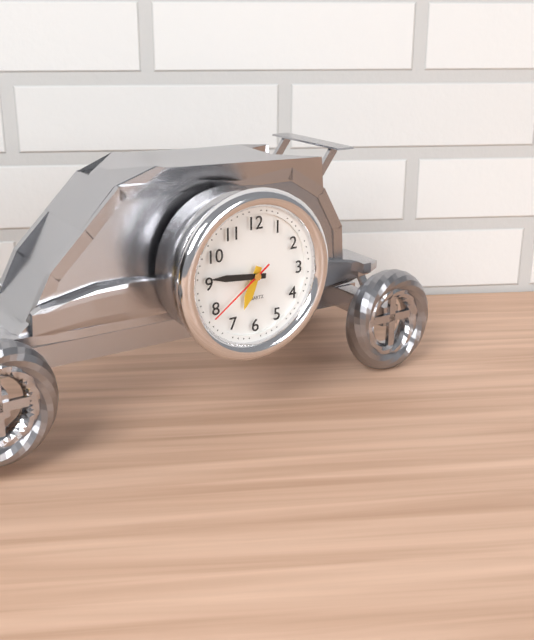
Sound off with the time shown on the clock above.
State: 6:46:39
